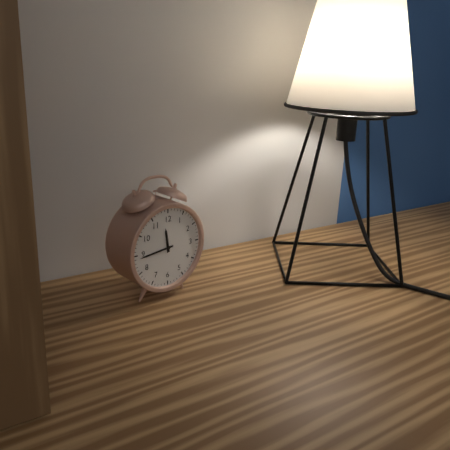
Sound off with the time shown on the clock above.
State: 11:44
